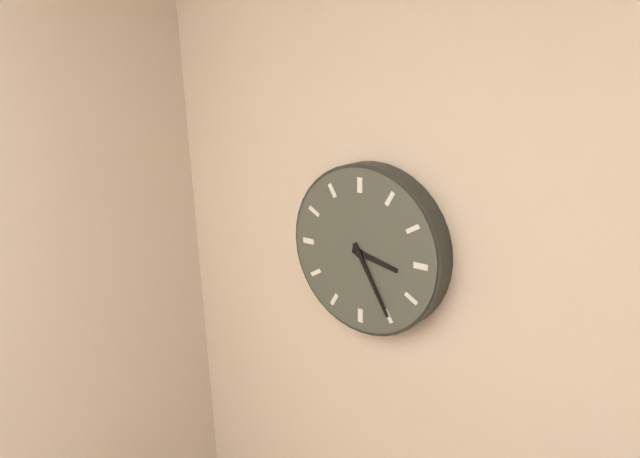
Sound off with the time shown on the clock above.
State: 3:25
